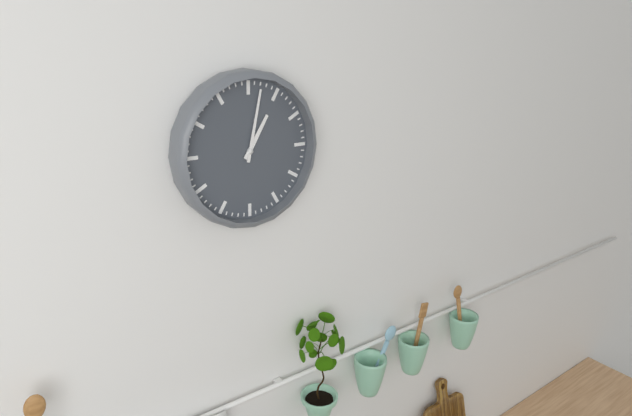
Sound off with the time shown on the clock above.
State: 1:02
